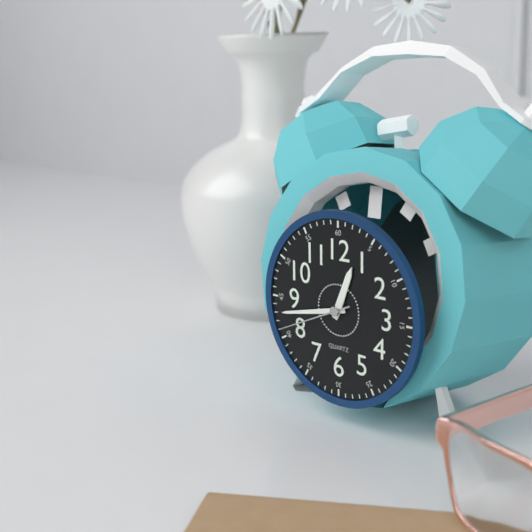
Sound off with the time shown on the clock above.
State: 12:43:41
